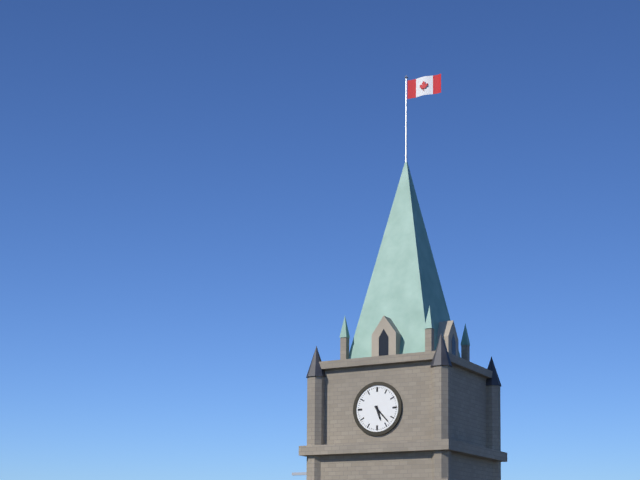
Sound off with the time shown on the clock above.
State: 5:23
